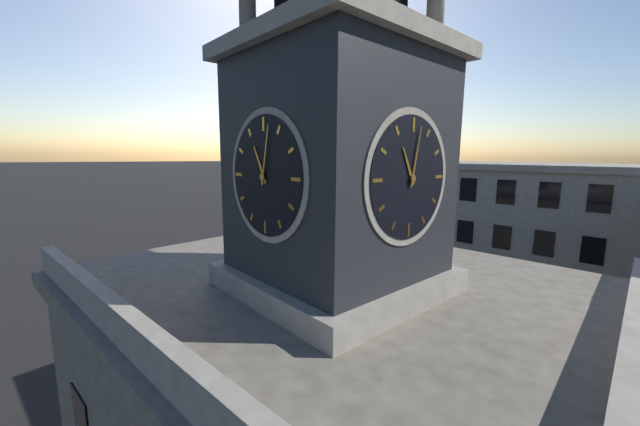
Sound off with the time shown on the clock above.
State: 11:02
